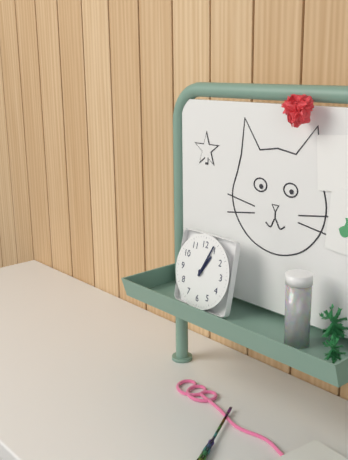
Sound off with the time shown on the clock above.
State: 1:04
